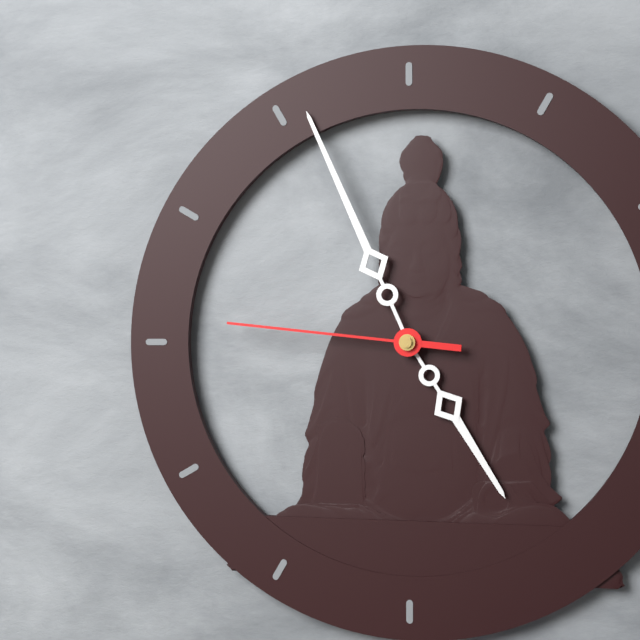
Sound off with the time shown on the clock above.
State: 4:56:46
